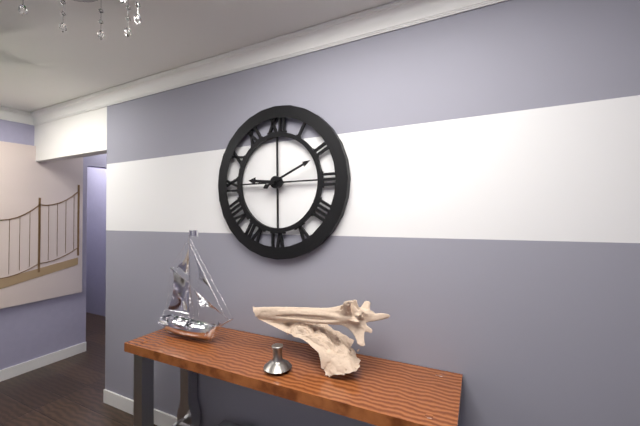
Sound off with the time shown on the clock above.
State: 9:11
